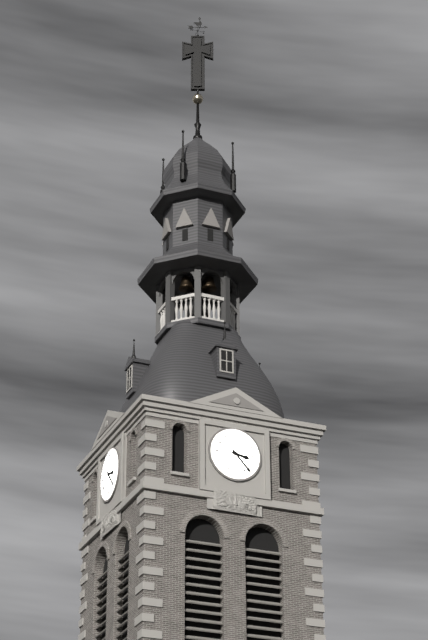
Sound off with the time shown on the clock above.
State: 3:23
